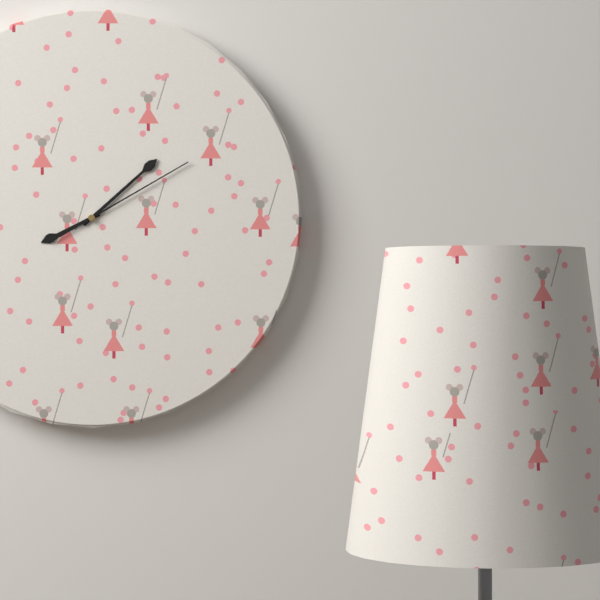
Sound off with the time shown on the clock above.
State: 8:08:10
